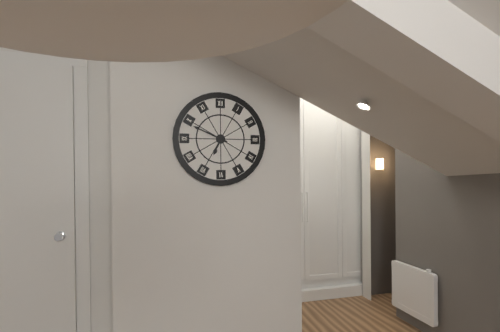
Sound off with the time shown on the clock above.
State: 6:49
